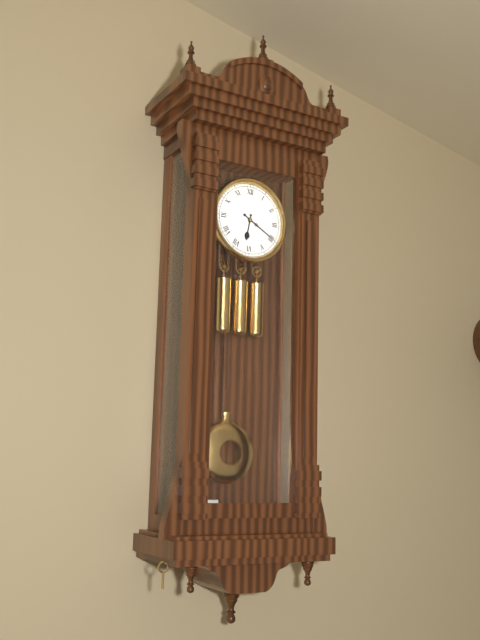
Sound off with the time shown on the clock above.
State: 6:20
